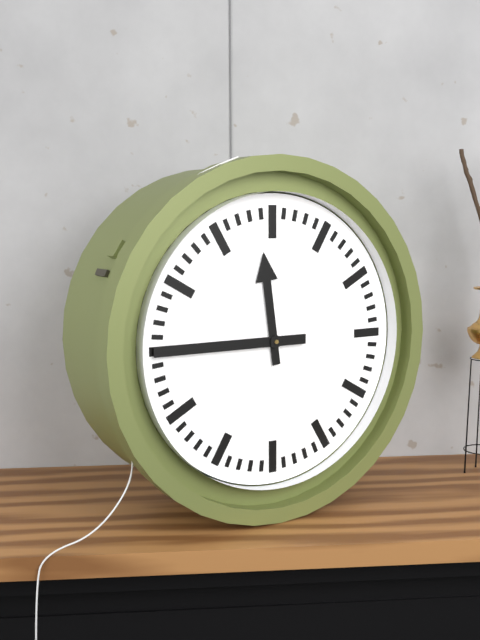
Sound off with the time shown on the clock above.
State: 11:45
